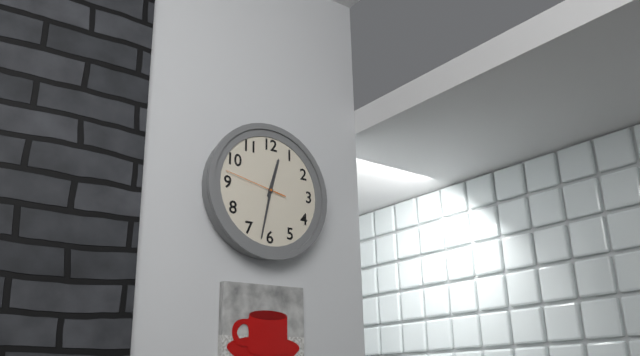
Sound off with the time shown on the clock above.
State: 12:32:47
